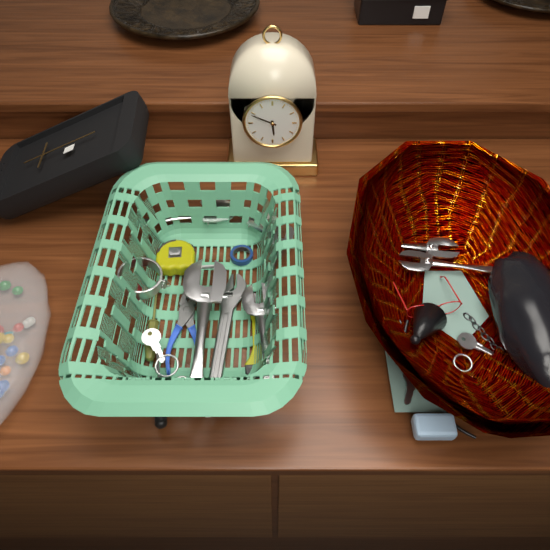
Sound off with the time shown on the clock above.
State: 5:49
